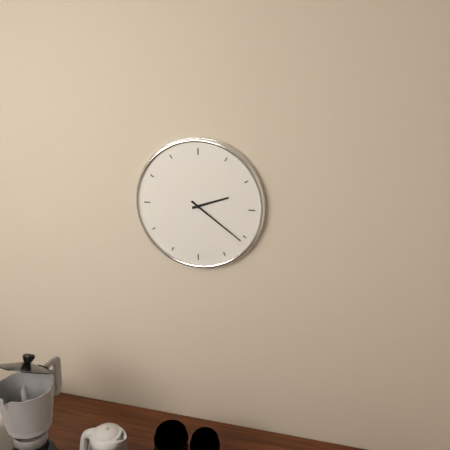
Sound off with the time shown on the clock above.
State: 2:21
